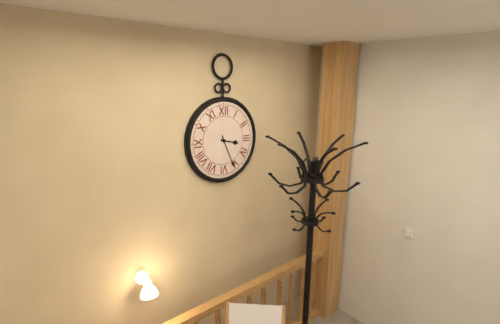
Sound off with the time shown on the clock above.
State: 3:26
